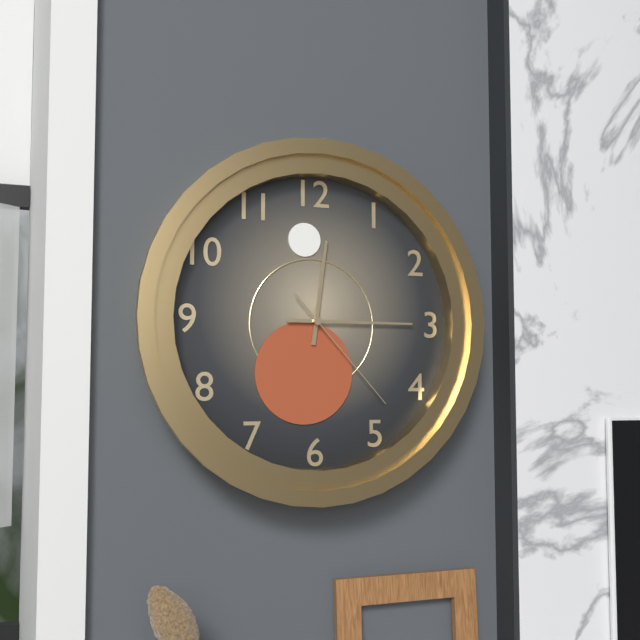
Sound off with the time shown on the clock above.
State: 12:15:23
